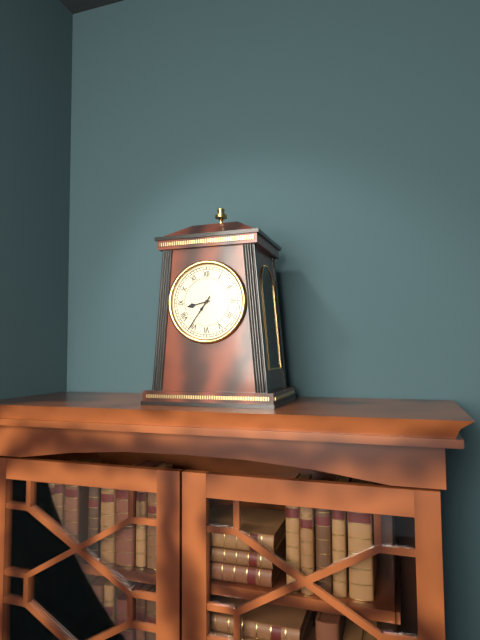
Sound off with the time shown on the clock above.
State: 8:36
